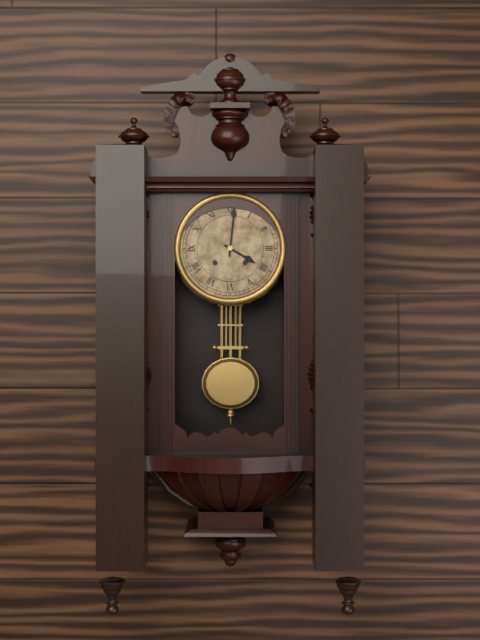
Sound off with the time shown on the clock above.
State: 4:01
